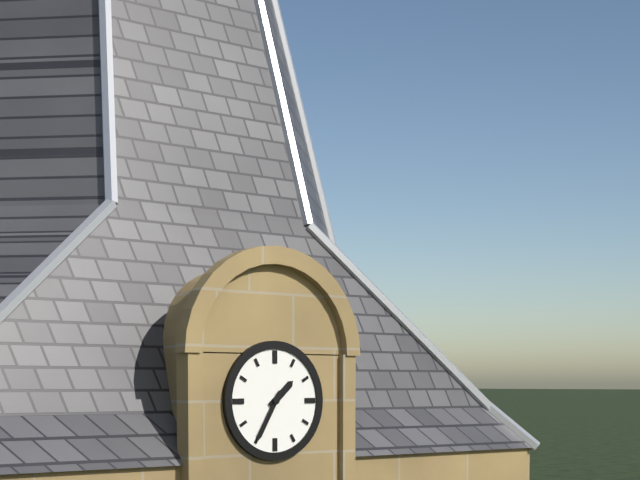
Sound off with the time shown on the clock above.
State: 1:35
